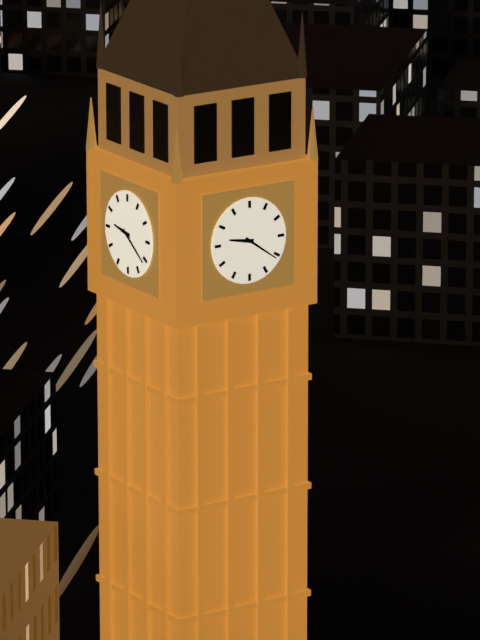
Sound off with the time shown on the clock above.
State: 9:21
